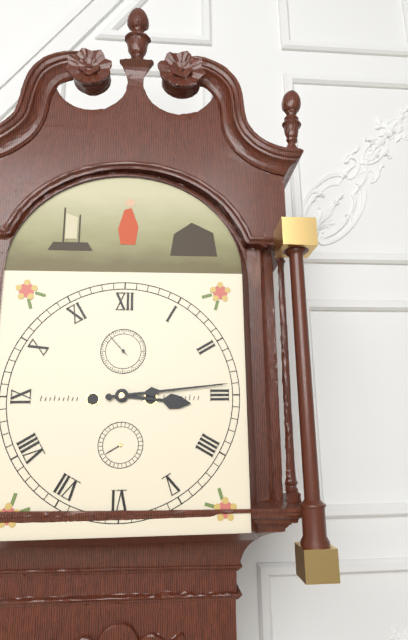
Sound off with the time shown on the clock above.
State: 3:14
